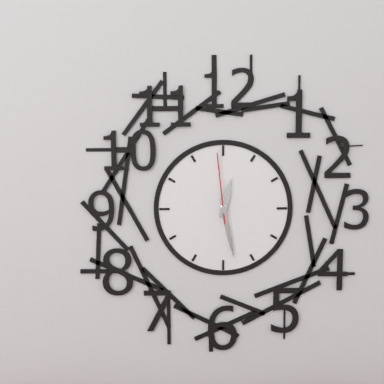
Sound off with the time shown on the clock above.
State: 12:28:59
